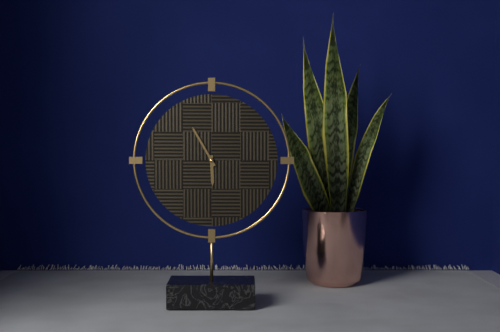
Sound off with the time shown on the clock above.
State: 5:55
